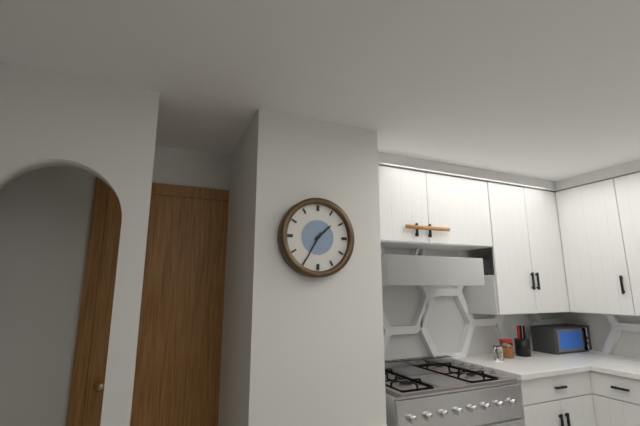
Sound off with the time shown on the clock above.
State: 1:35
